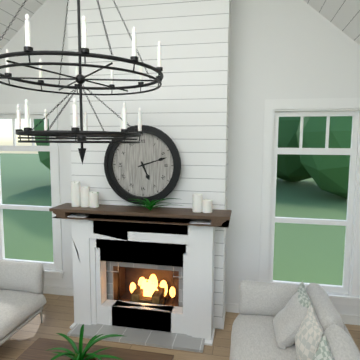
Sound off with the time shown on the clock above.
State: 5:12
